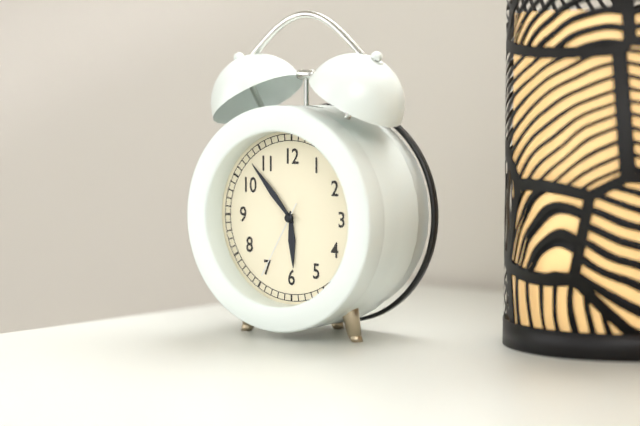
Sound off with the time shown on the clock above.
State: 5:53:35
